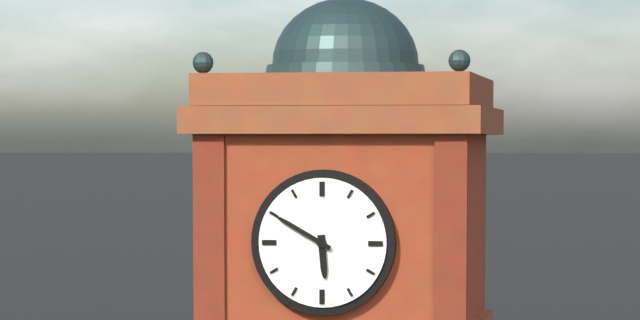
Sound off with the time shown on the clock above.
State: 5:50
